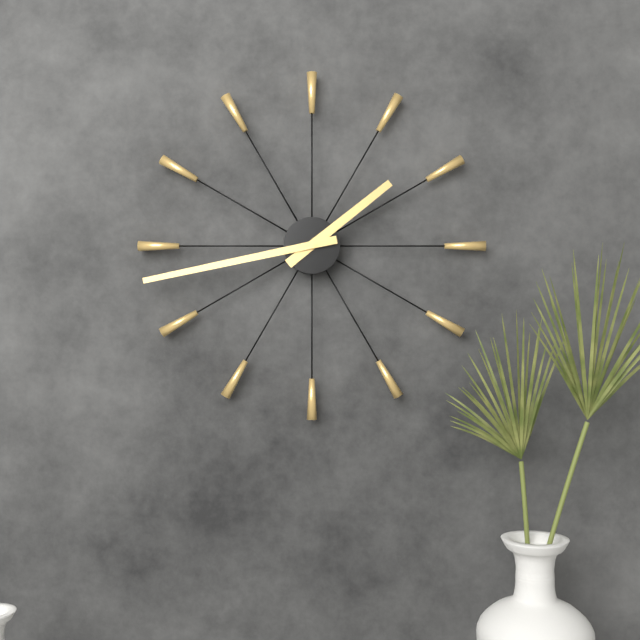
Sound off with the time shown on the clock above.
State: 1:43
